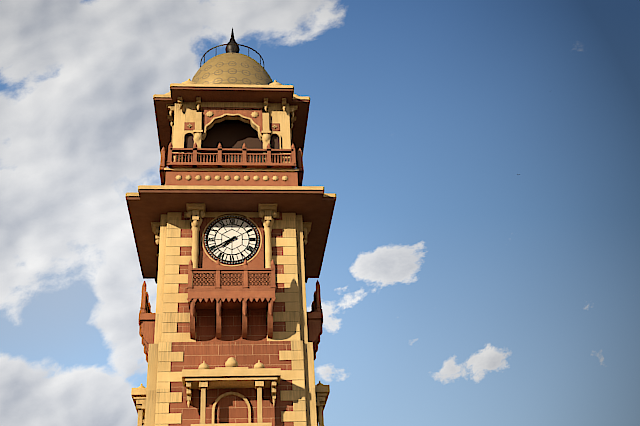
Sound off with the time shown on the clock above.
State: 7:40
